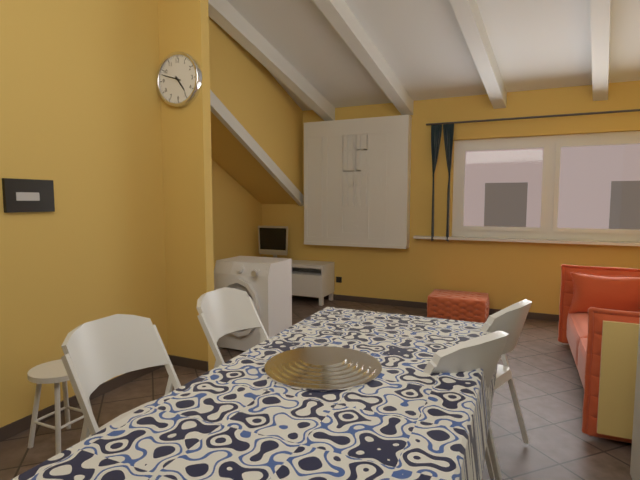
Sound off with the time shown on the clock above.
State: 4:48
